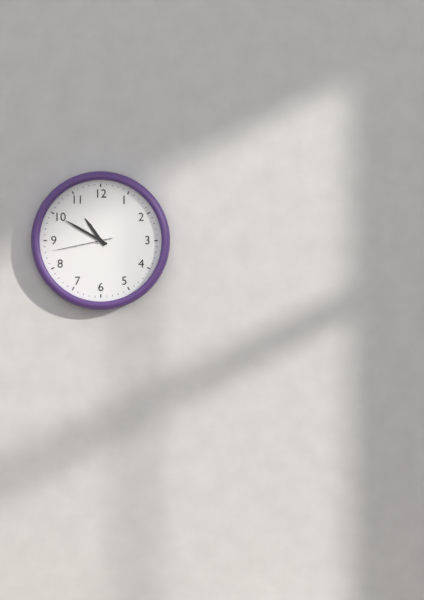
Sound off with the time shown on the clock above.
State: 10:50:43
